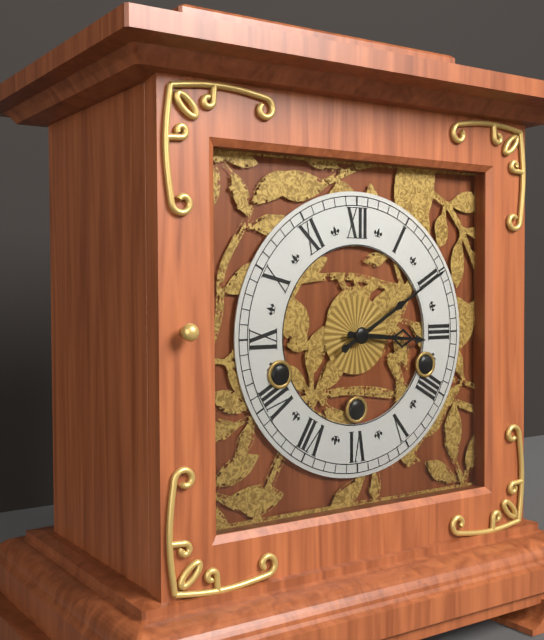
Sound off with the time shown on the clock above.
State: 3:10
